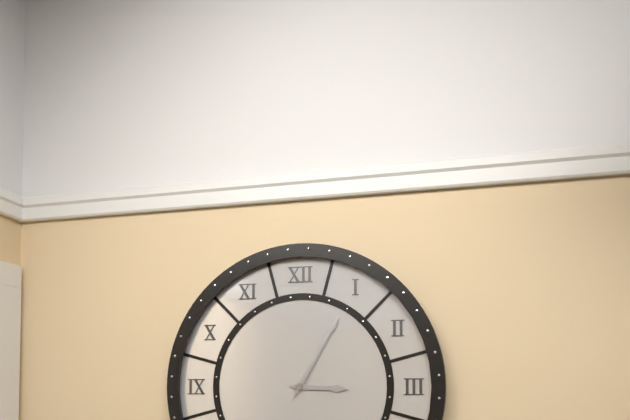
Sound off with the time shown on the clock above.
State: 3:05
